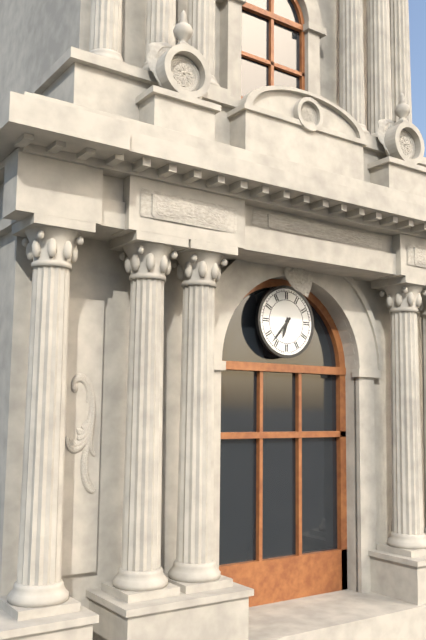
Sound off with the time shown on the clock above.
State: 6:37
